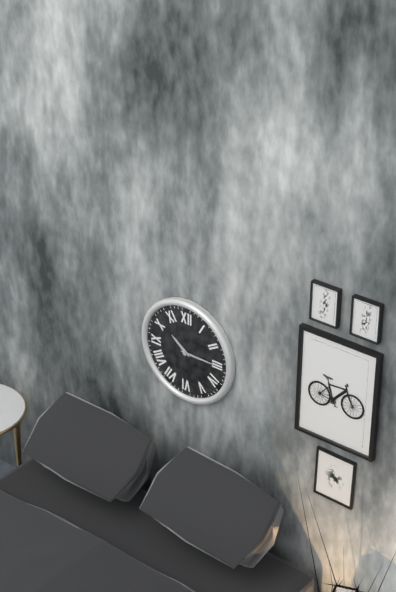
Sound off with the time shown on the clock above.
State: 10:15
